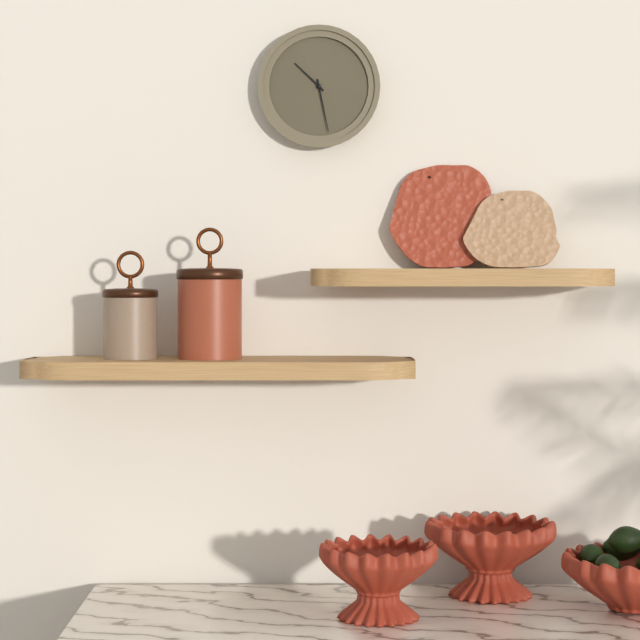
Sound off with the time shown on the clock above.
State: 10:28
